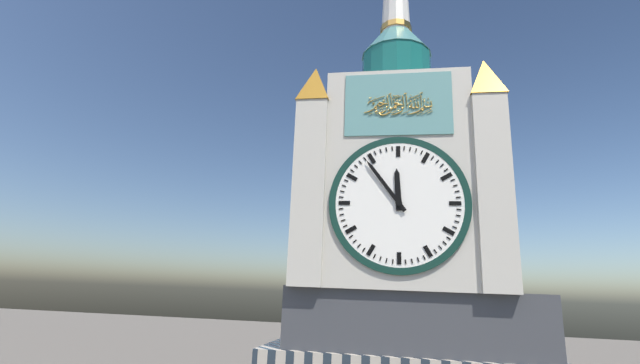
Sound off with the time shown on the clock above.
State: 11:54
